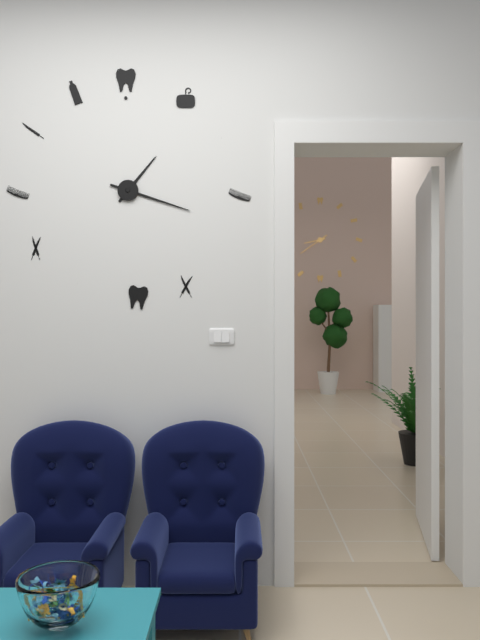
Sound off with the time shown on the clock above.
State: 1:18
